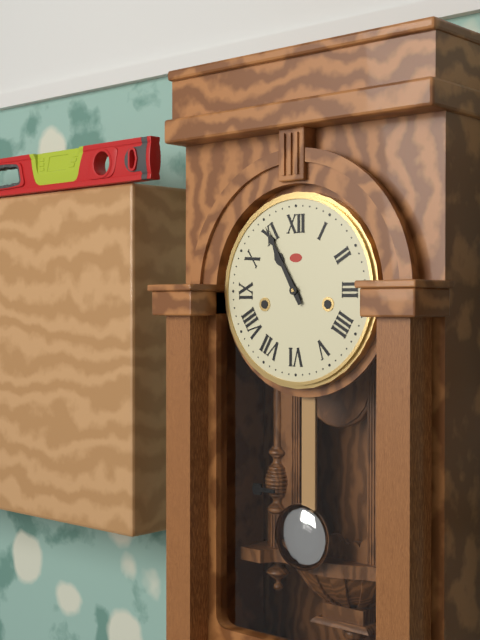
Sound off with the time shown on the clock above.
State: 10:55
